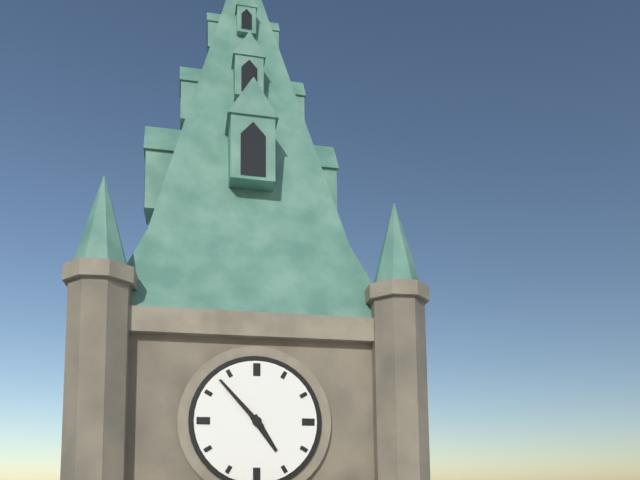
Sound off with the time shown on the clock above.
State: 4:53
